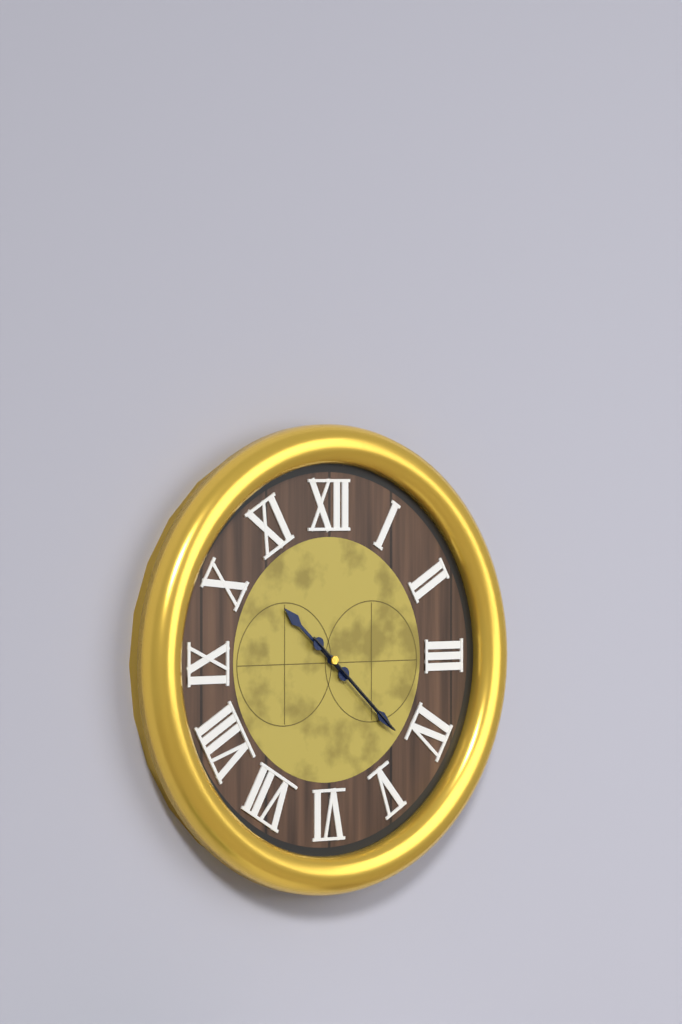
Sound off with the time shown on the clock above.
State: 10:22:22
